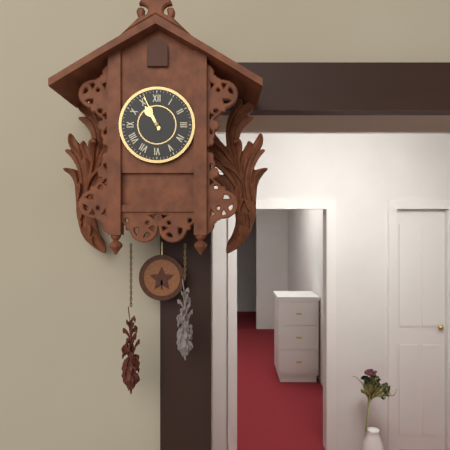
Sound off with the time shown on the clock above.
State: 10:56
